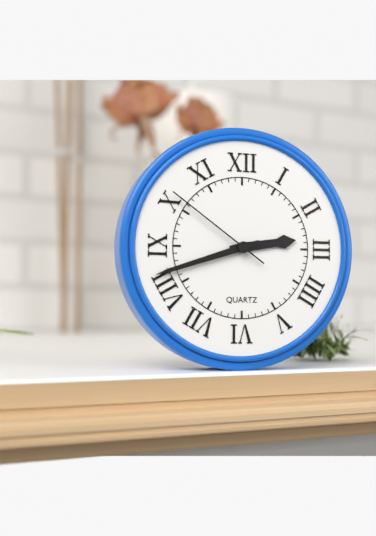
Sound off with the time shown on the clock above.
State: 2:42:51
